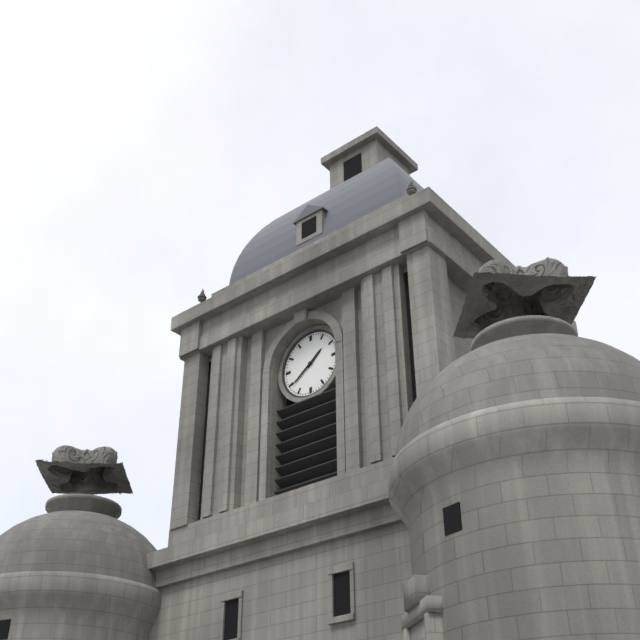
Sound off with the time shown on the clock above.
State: 1:39
